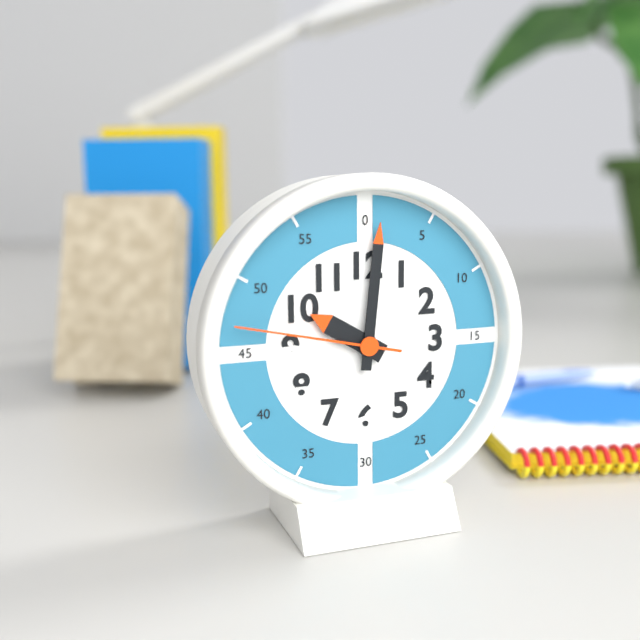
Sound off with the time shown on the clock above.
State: 10:01:47
